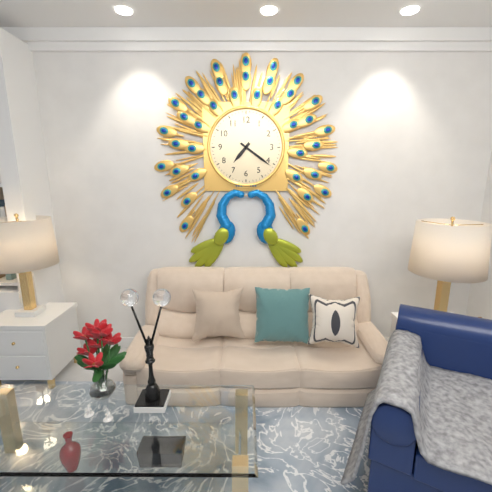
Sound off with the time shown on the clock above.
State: 7:21
